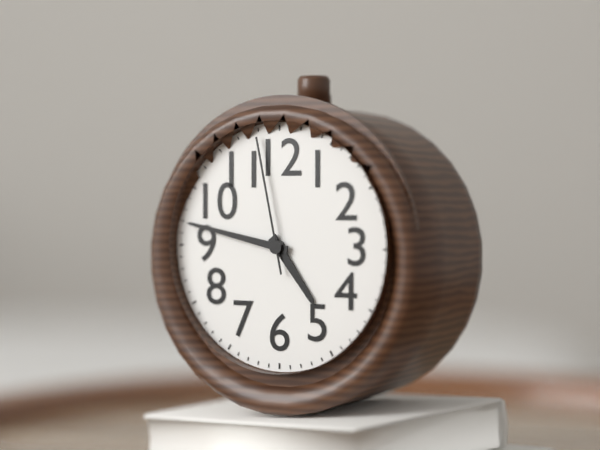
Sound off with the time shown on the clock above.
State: 4:47:58
